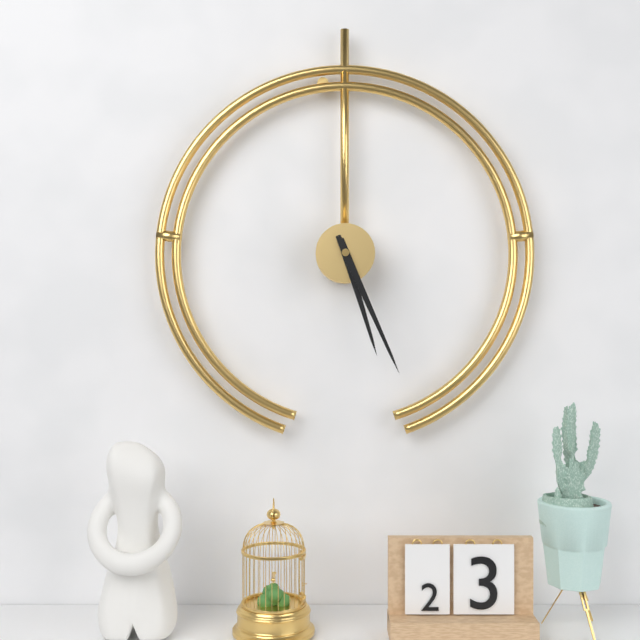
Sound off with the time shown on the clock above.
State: 5:26
